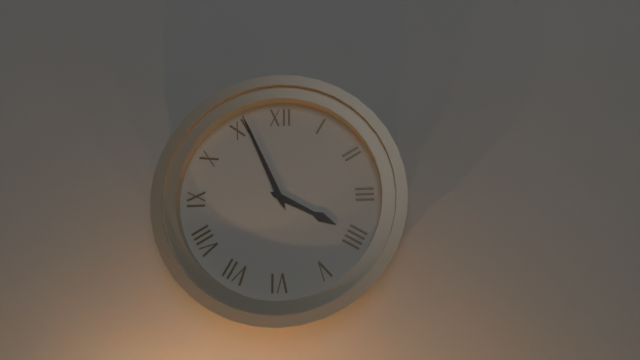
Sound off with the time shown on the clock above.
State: 3:56
